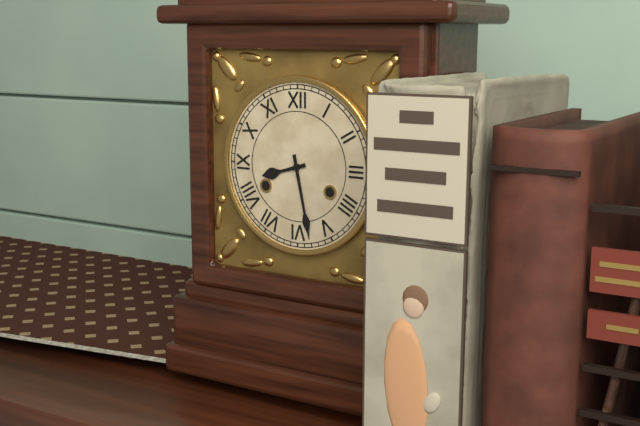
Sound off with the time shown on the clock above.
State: 8:28
